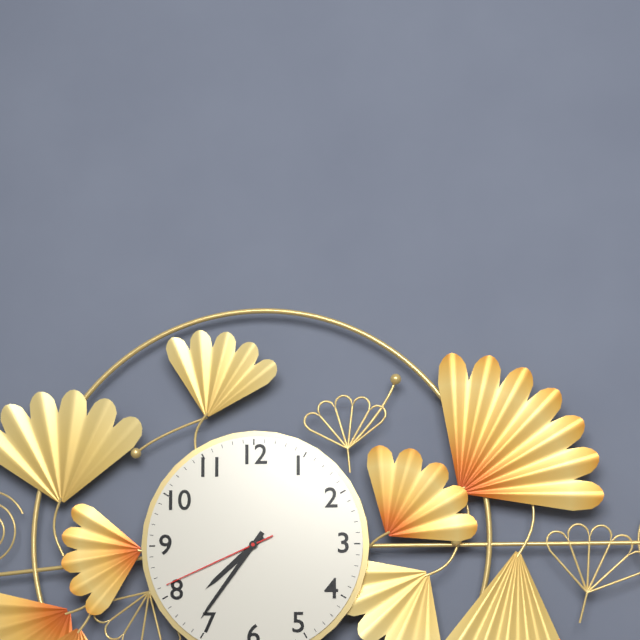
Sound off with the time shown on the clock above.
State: 7:36:41
